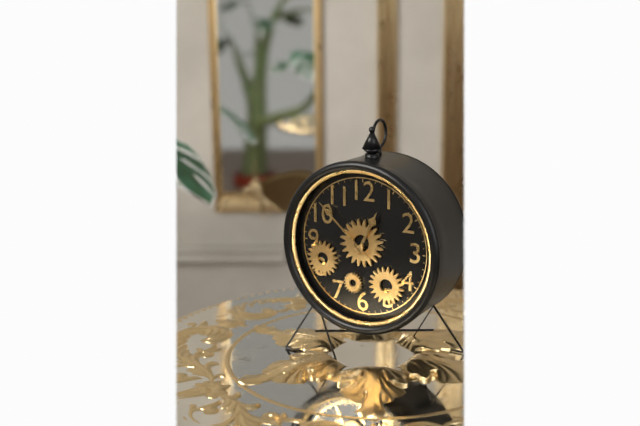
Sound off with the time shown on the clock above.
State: 12:52
